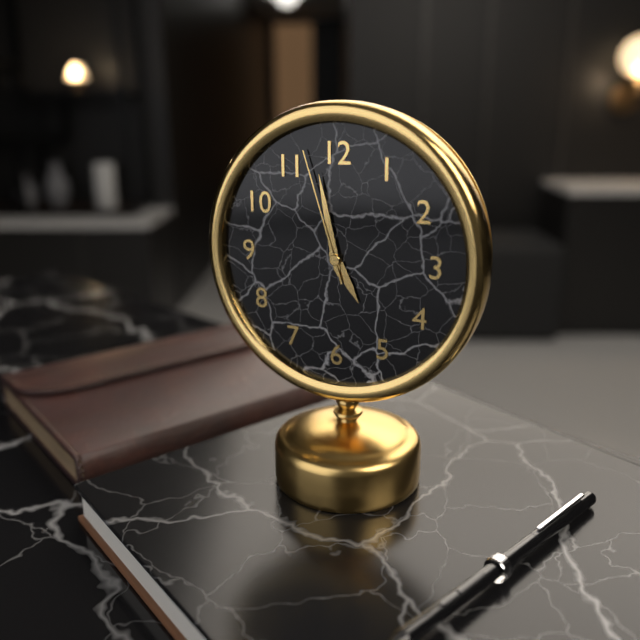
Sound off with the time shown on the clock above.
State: 4:58:57
